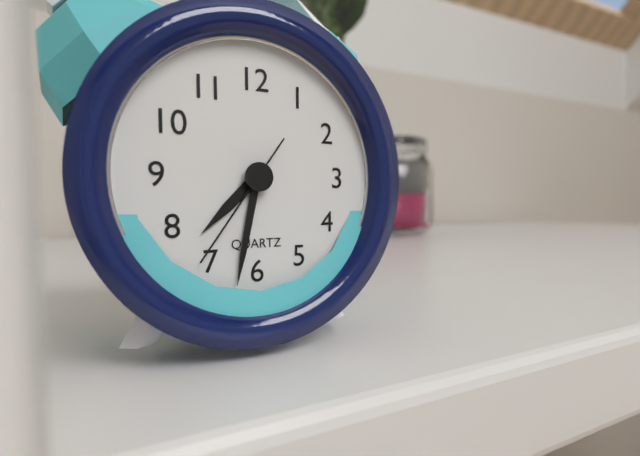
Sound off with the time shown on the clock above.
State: 7:32:36
